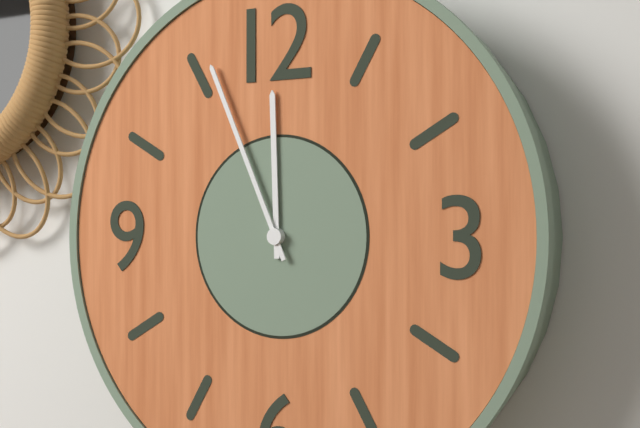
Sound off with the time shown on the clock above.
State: 11:56
